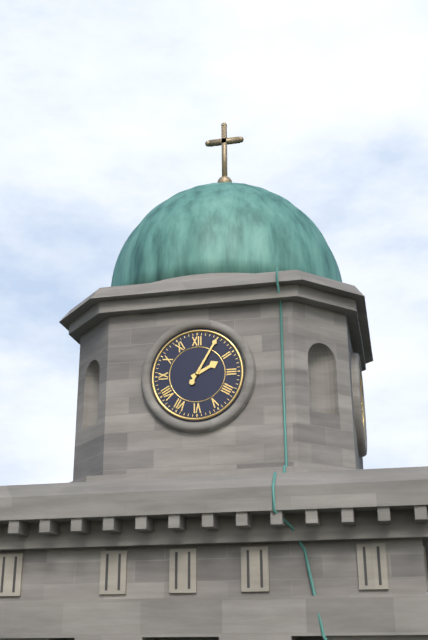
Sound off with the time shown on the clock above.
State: 2:05
